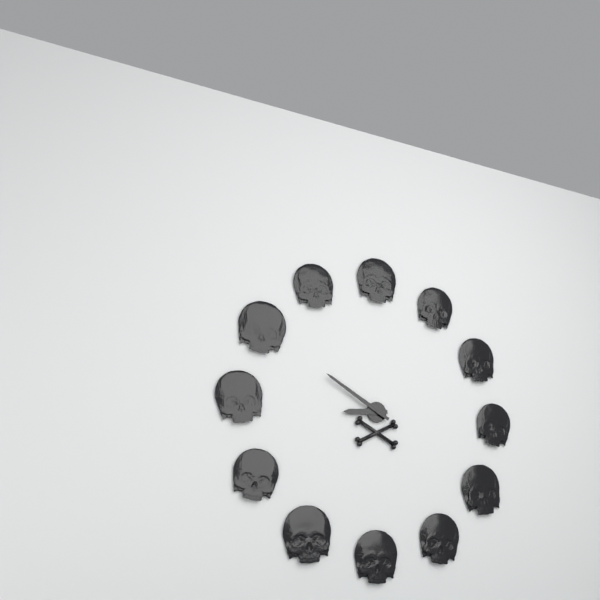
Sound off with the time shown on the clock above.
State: 8:50
